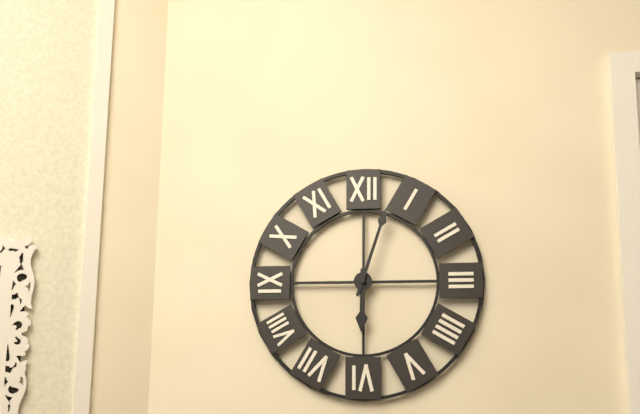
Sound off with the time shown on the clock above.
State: 6:03
